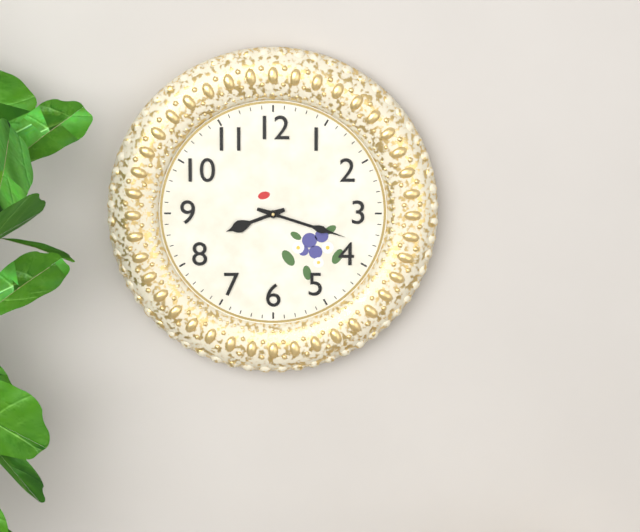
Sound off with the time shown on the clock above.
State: 8:18
